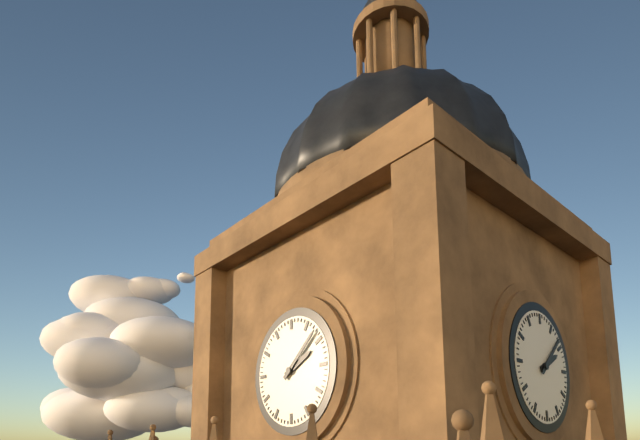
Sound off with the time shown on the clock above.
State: 2:08
